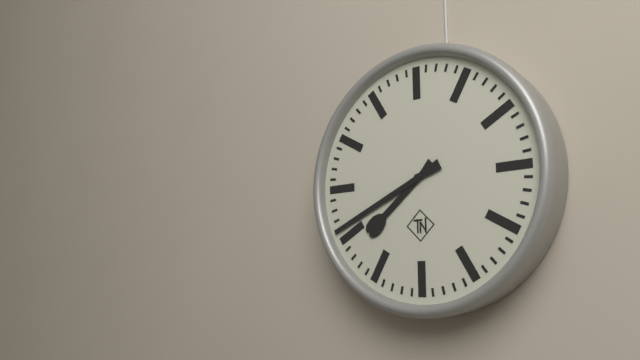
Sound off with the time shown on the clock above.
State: 7:41
